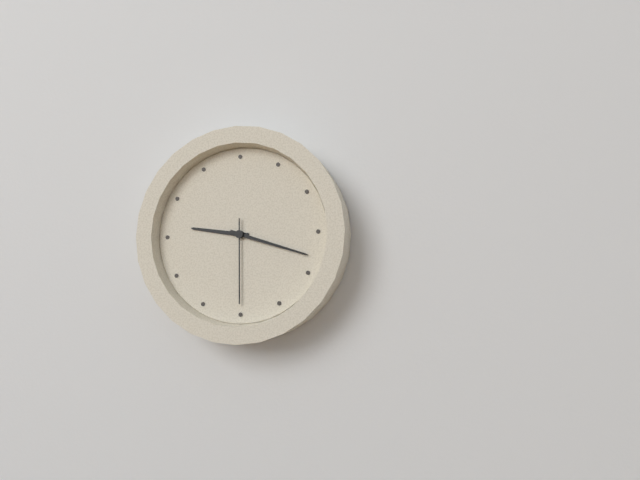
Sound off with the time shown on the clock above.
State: 9:18:30
